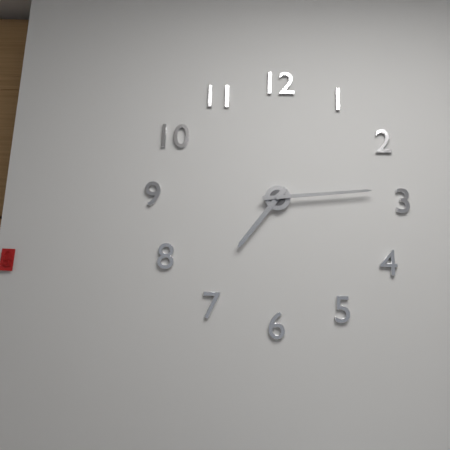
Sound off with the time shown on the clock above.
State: 7:14
